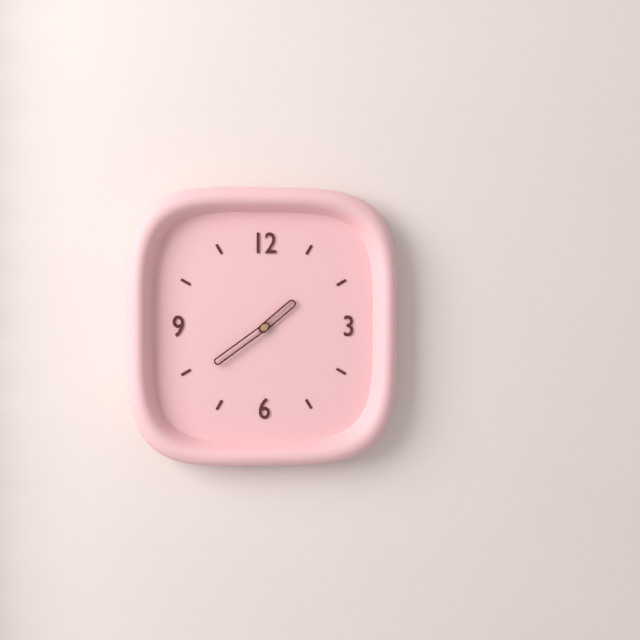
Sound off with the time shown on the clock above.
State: 1:39
